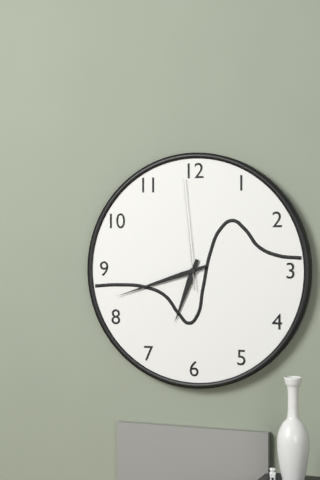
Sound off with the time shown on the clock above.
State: 6:42:59
